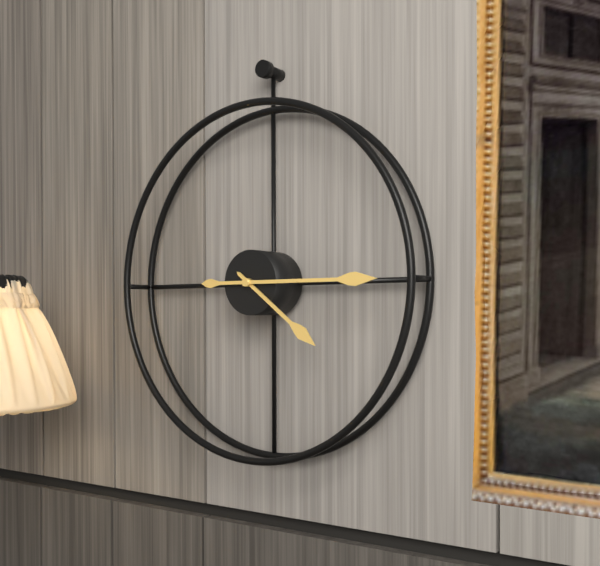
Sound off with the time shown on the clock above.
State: 4:15
